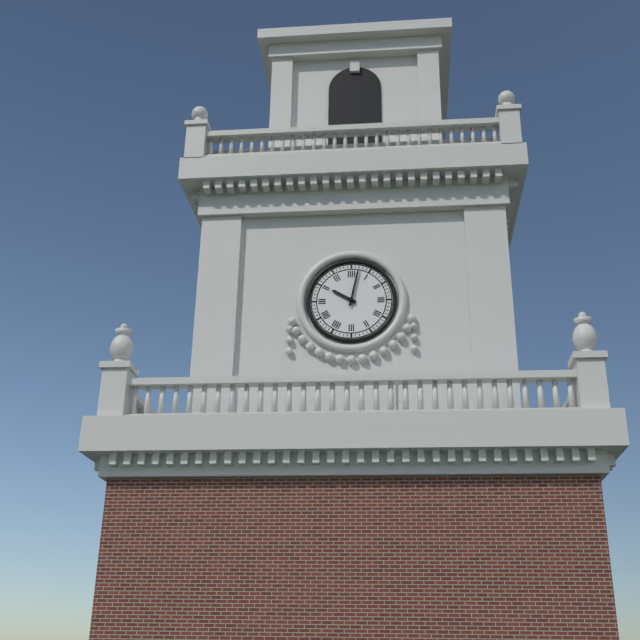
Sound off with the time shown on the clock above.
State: 10:02
